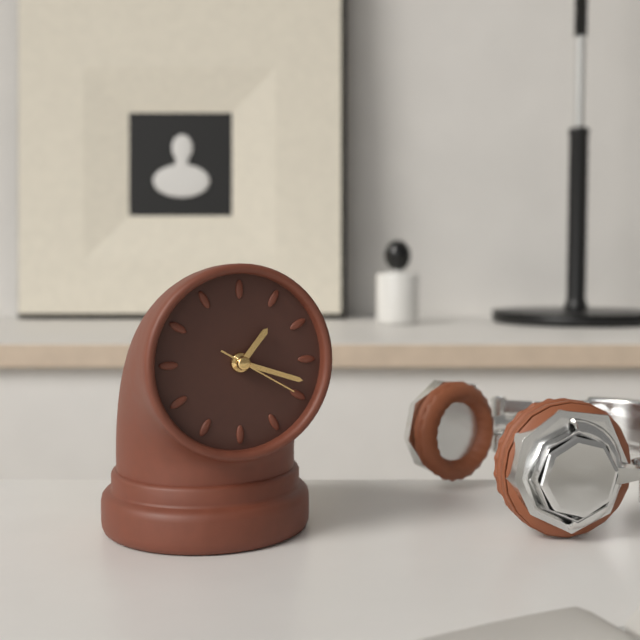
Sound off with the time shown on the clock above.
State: 1:18:20
